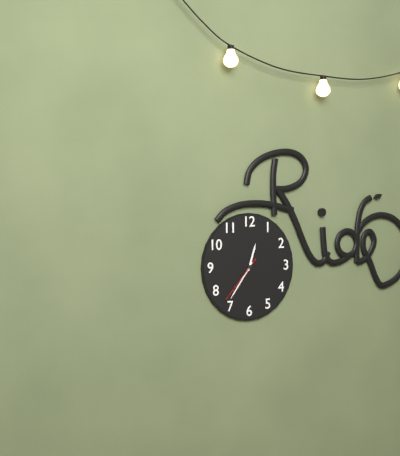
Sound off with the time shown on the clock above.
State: 12:36
